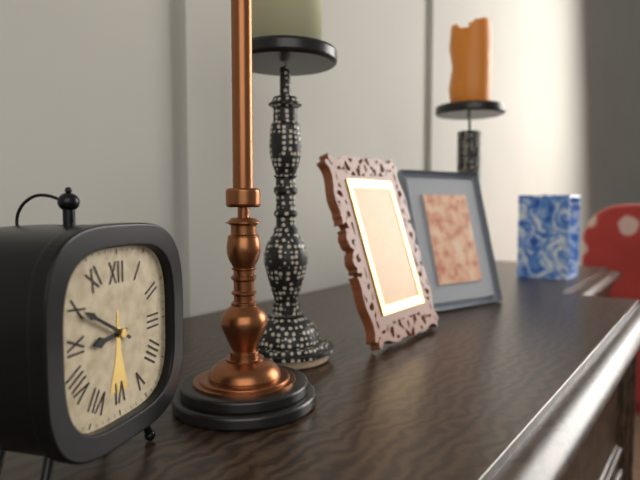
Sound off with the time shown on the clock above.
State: 8:50
